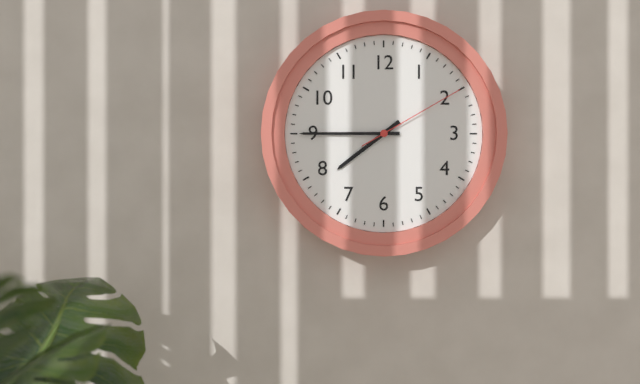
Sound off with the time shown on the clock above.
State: 7:45:10
